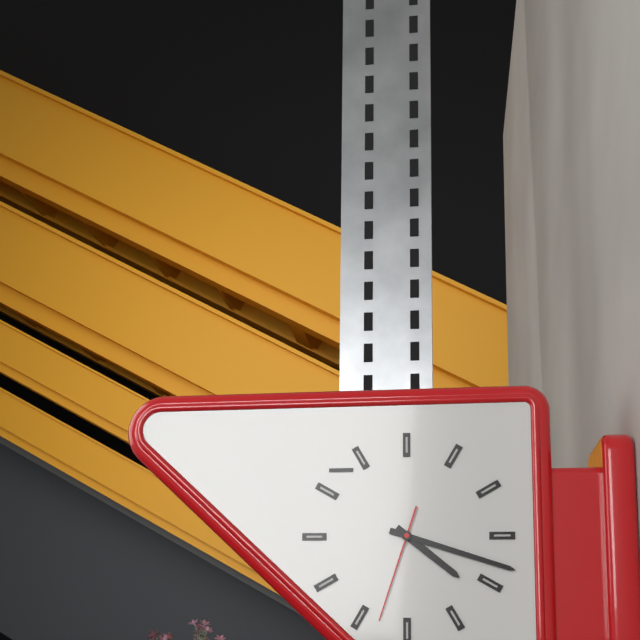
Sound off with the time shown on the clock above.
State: 4:18:33
